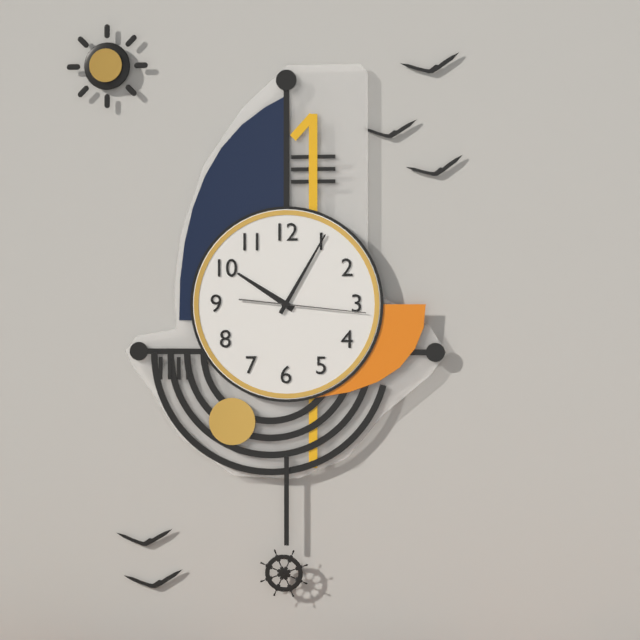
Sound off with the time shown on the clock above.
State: 10:05:16
